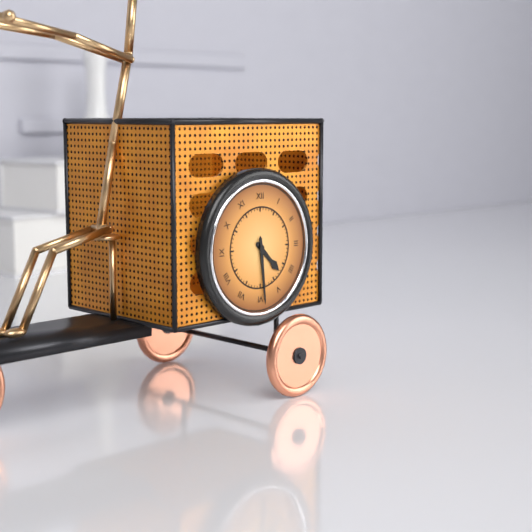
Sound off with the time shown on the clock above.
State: 4:29
